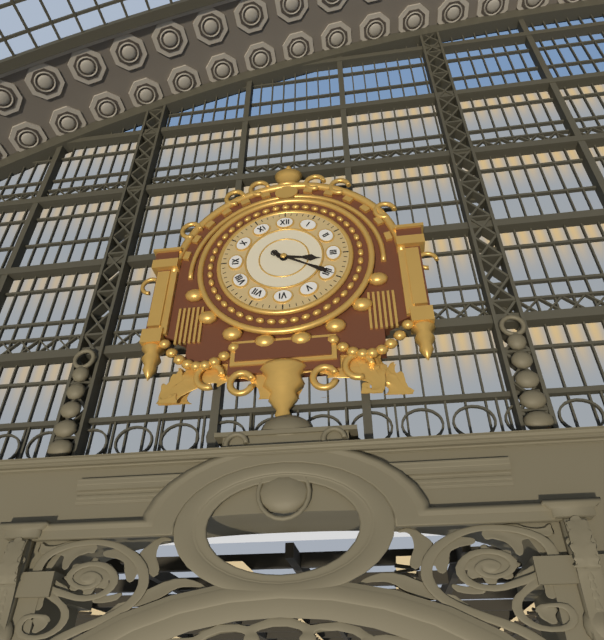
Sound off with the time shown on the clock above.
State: 3:20
